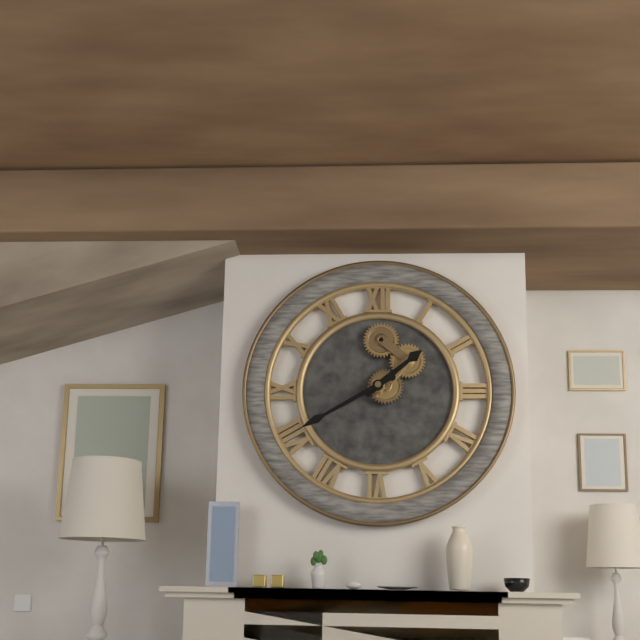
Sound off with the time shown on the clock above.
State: 1:40
